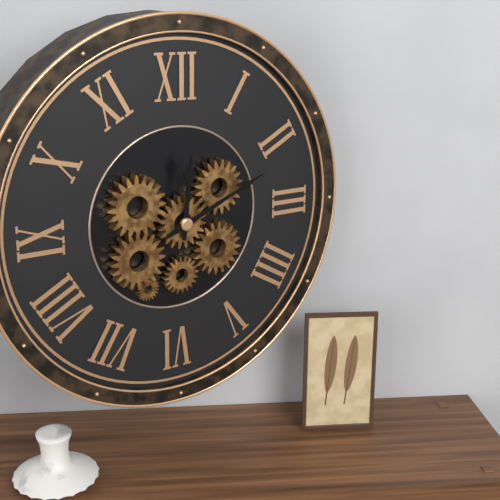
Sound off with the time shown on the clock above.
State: 12:11
